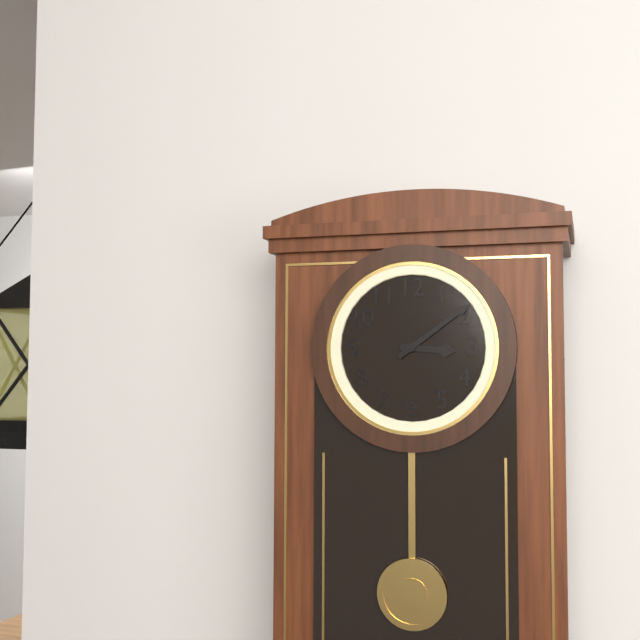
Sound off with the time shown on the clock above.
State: 3:09
